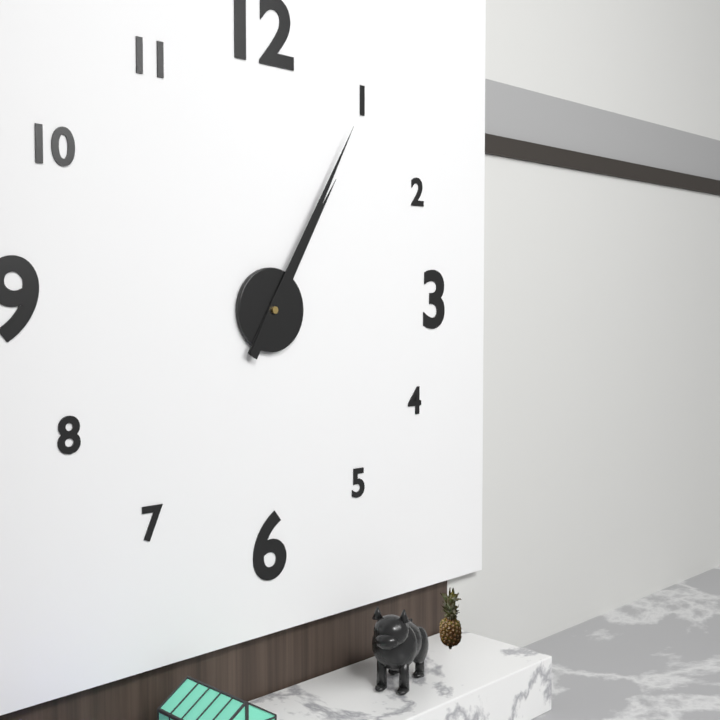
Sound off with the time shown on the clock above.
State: 1:05
